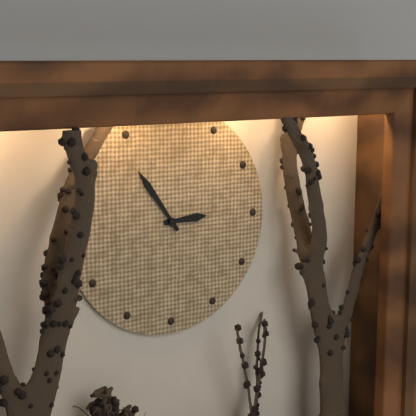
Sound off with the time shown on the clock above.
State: 2:54
